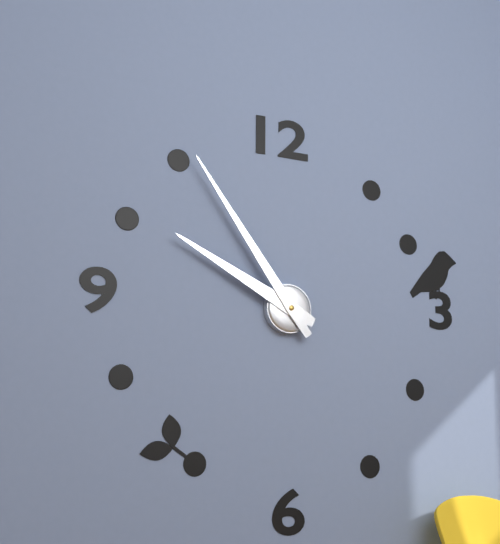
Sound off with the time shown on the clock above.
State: 9:54
